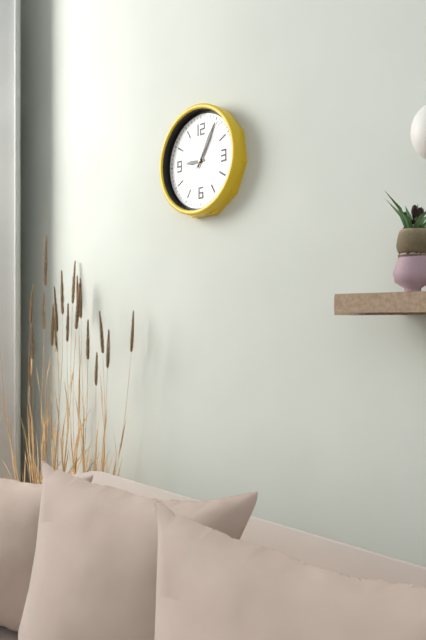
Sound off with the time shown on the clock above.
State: 9:05:06
